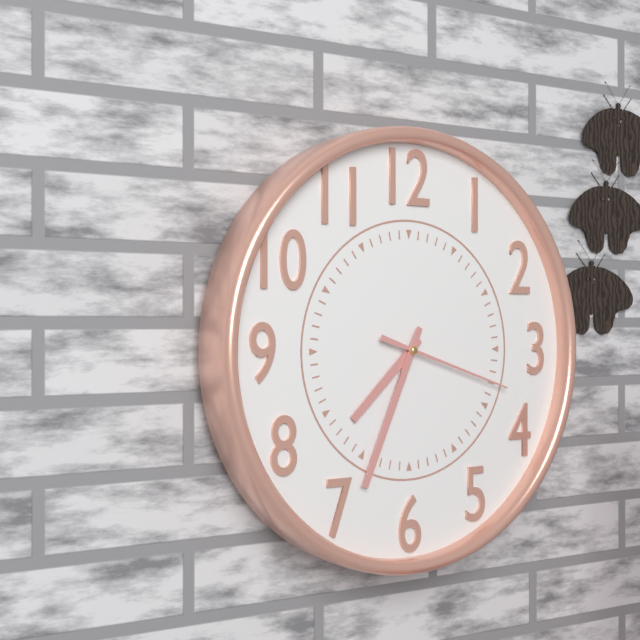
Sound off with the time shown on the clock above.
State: 7:34:18
